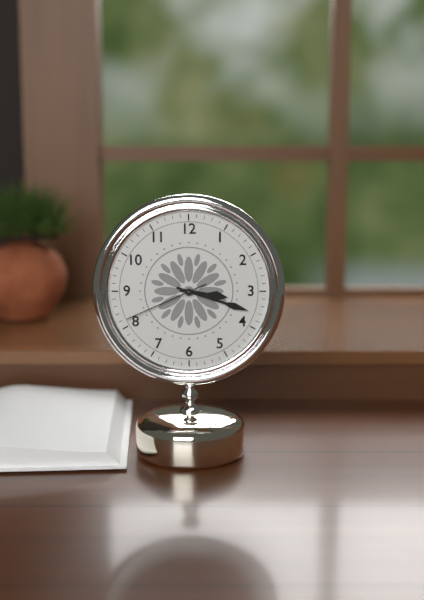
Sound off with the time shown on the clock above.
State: 3:18:41
